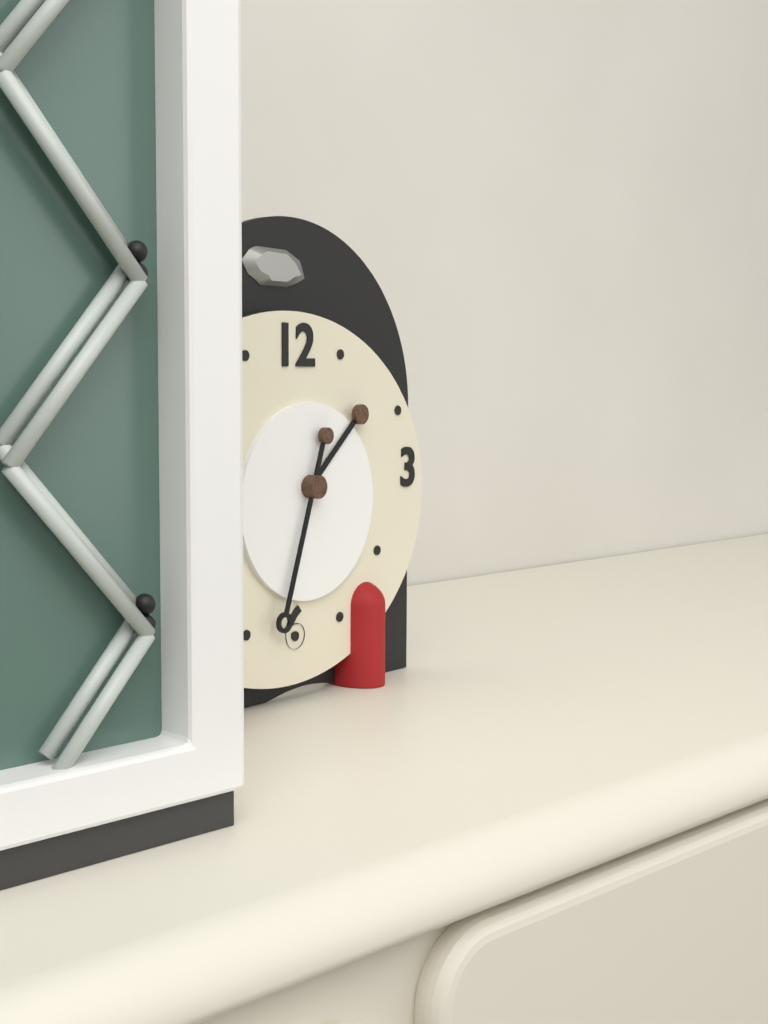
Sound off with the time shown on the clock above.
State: 1:33
